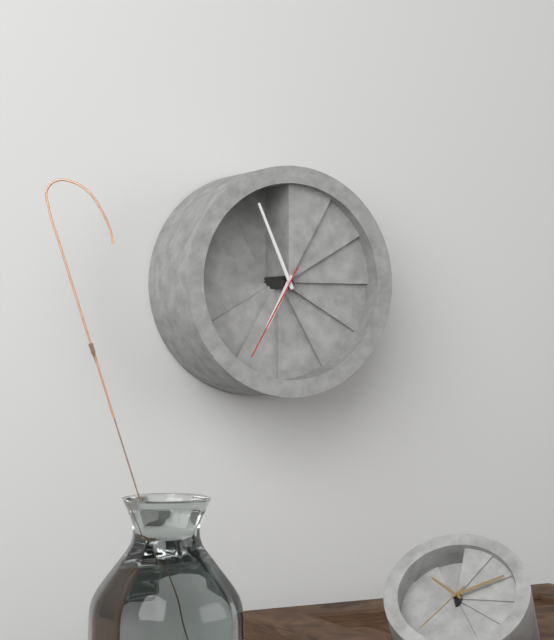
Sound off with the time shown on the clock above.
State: 6:56:35
